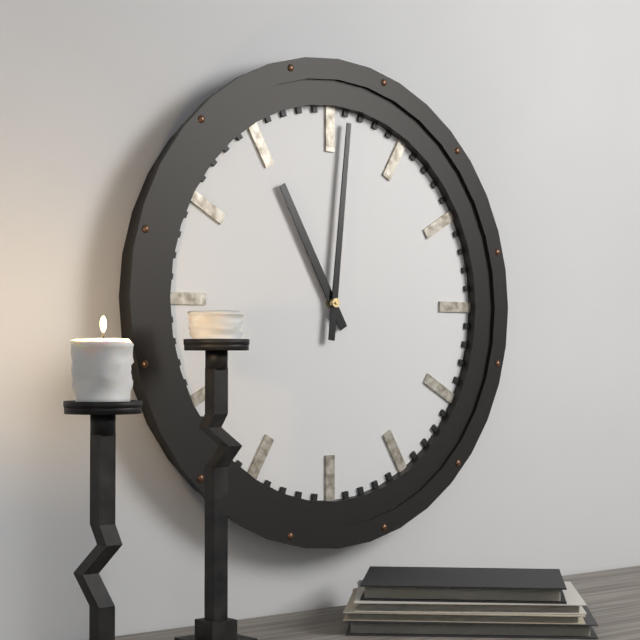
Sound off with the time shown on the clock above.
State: 11:01
